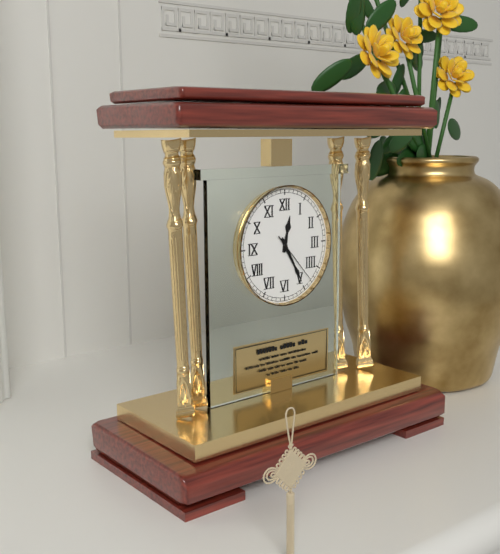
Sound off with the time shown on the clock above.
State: 12:25:23
